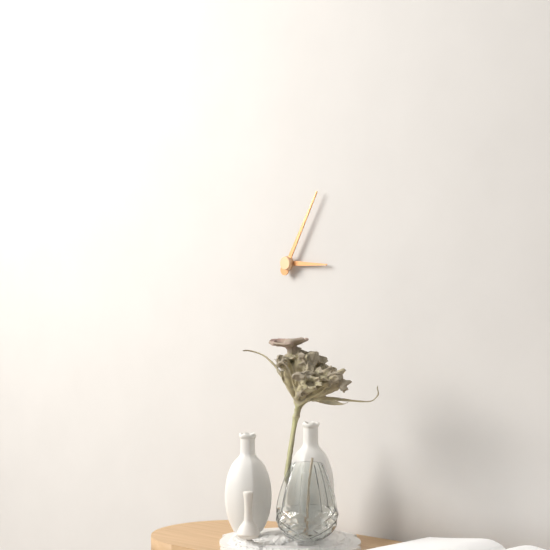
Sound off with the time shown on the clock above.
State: 3:05
